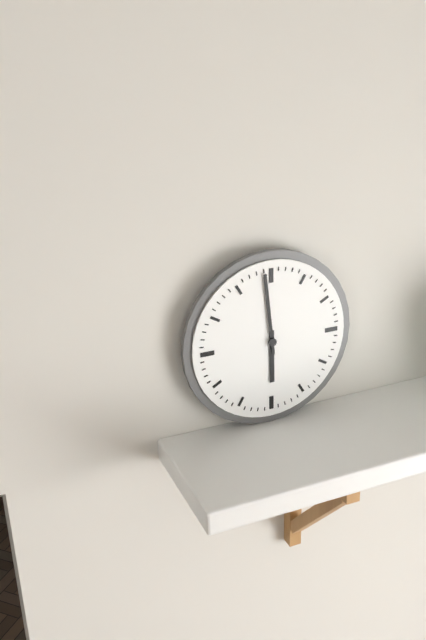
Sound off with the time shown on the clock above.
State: 5:59
